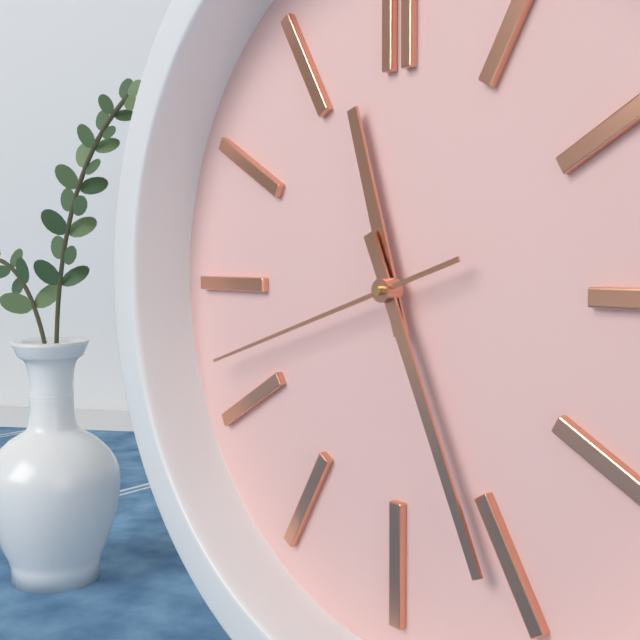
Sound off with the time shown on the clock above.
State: 11:26:42
